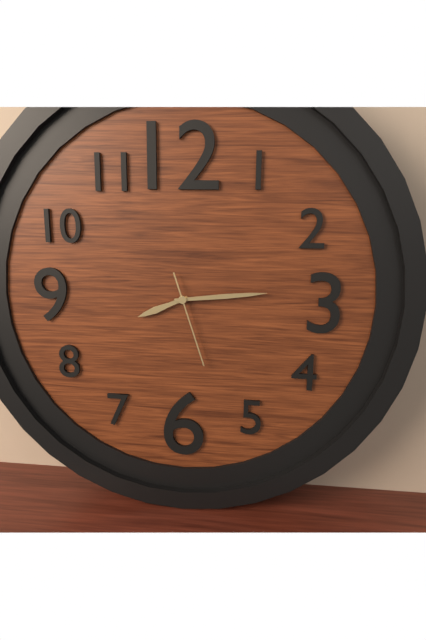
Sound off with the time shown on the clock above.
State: 8:14:27
